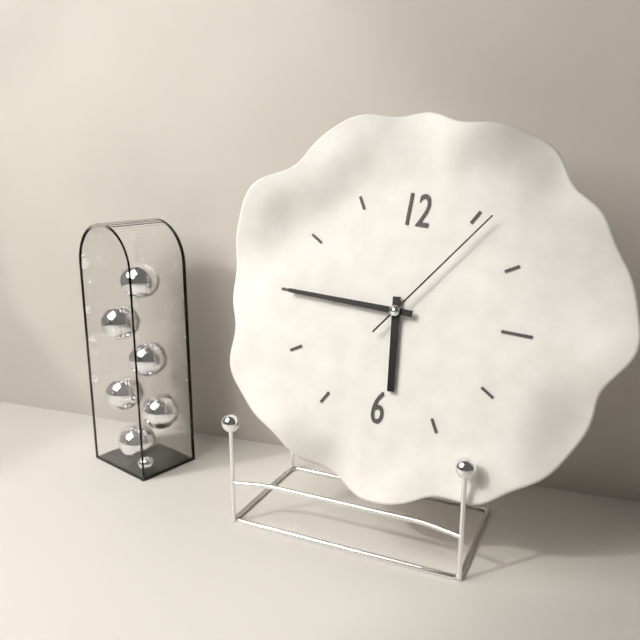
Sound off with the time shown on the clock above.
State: 5:45:06
